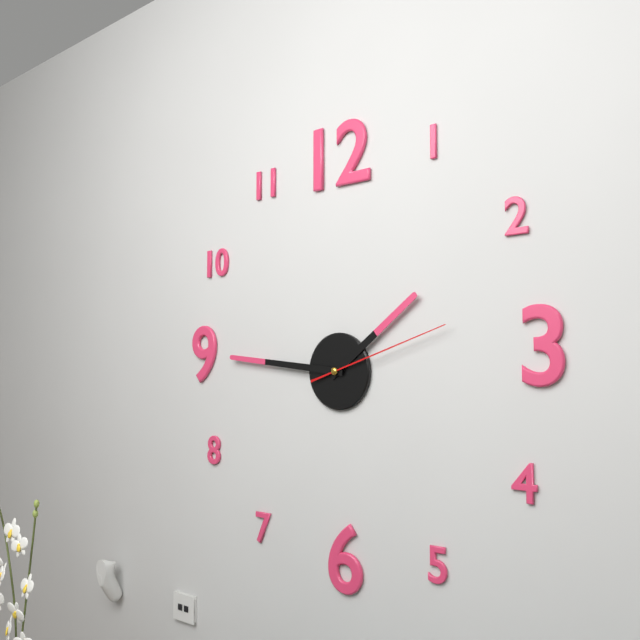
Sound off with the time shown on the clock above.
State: 1:46:12
